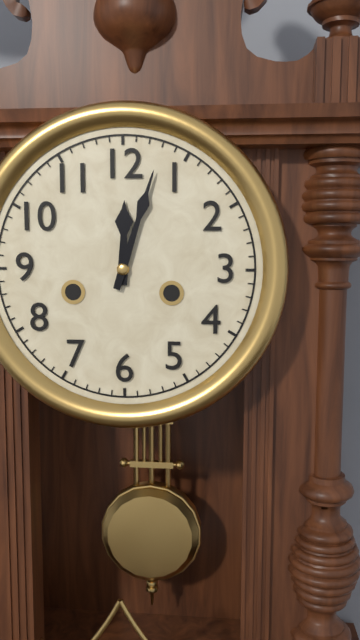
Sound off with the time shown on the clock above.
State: 12:03
